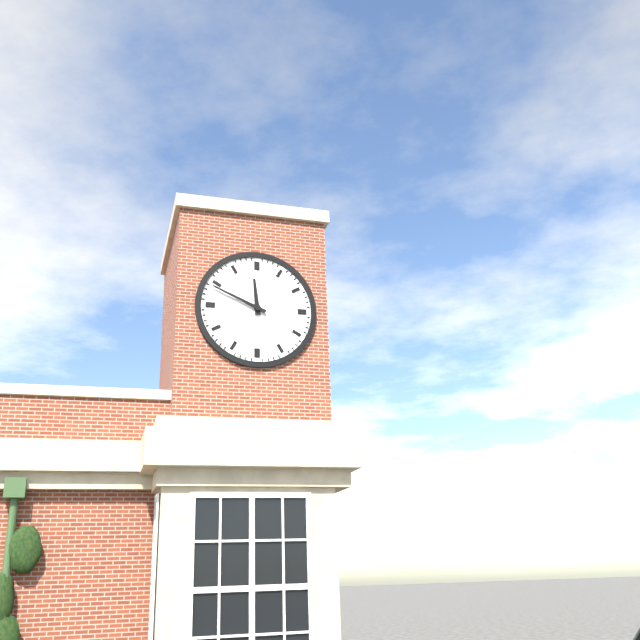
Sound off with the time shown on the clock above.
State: 11:49
